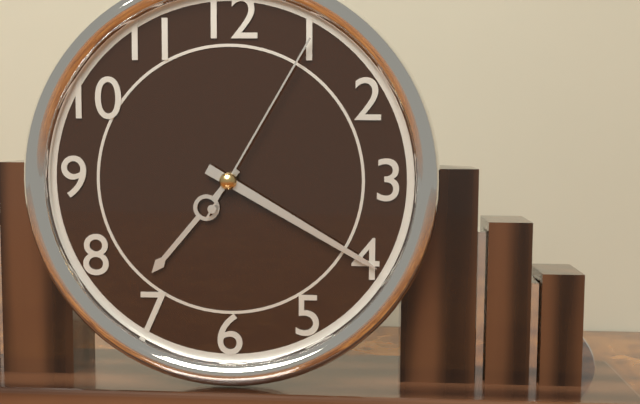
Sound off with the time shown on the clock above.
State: 7:20:05
